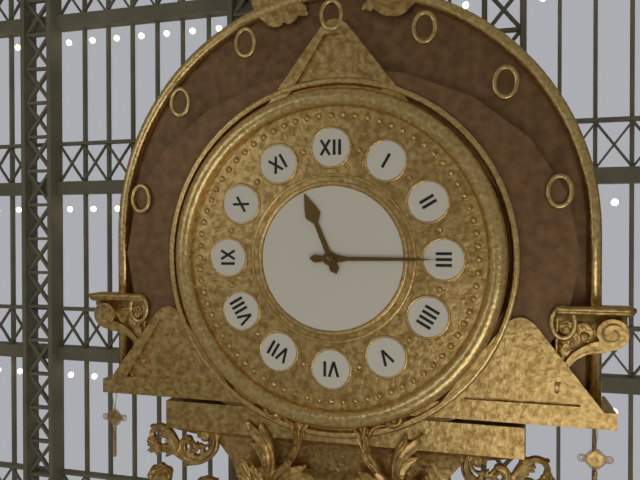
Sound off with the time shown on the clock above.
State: 11:15
